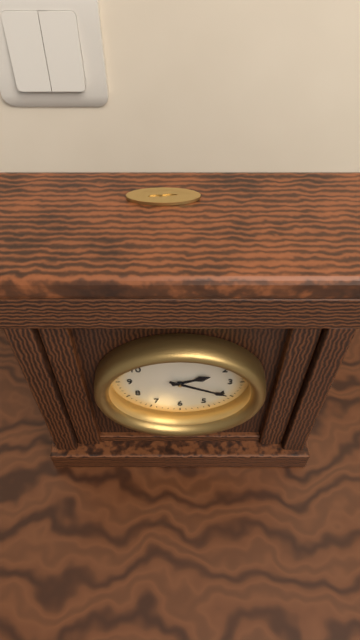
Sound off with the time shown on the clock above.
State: 2:19
